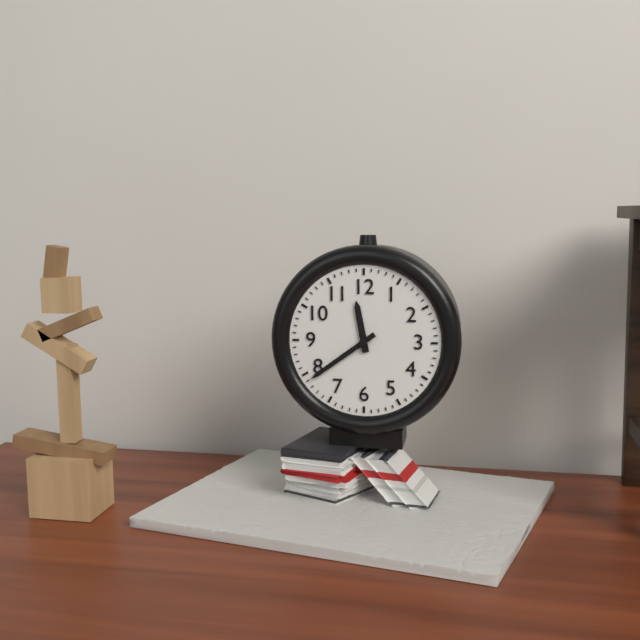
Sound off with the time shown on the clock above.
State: 11:39
